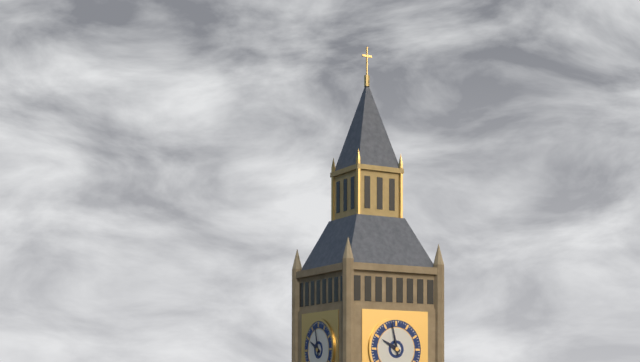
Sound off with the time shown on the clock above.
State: 9:58
